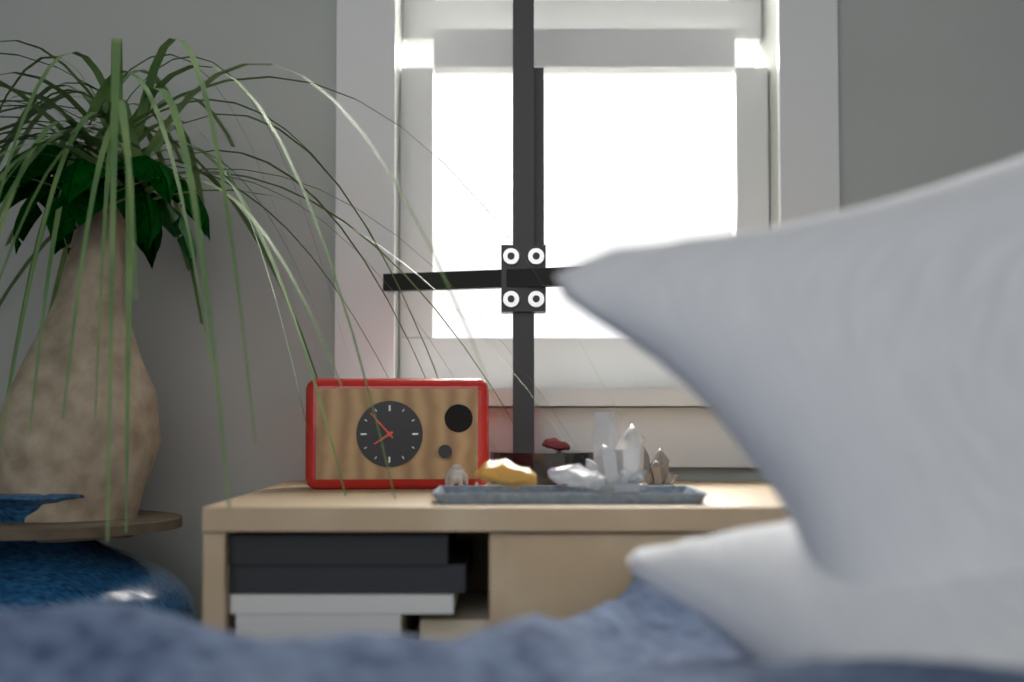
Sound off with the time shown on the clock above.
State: 7:53
